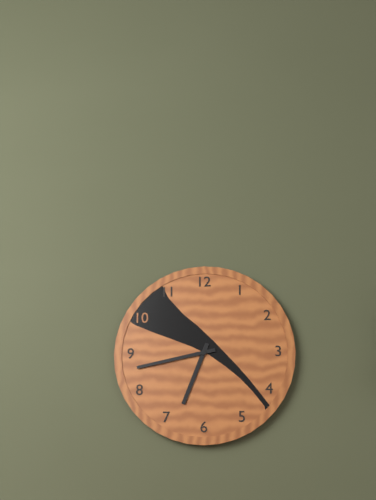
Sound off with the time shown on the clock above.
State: 6:43
